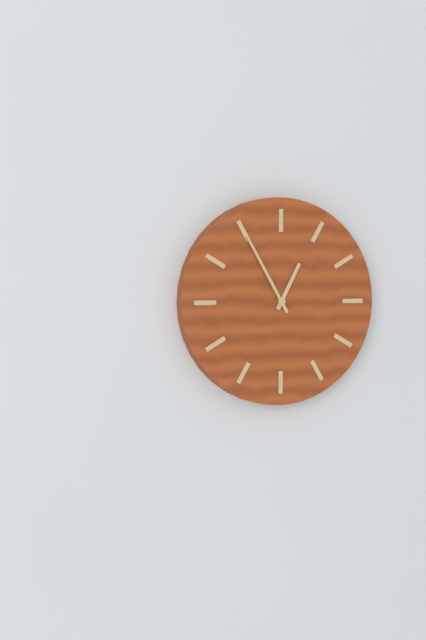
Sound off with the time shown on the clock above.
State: 12:55
